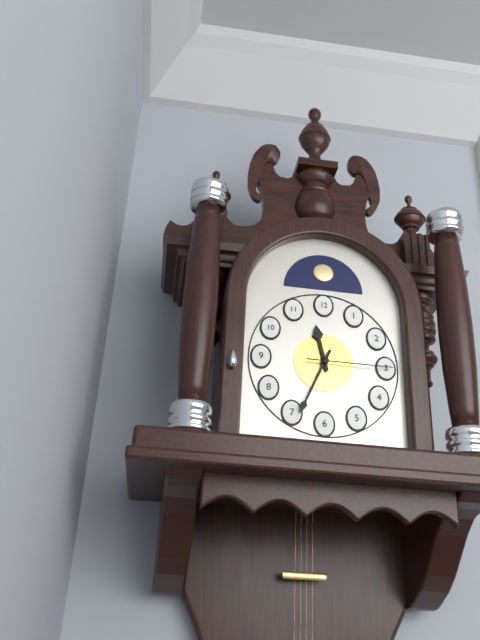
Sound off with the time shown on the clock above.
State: 11:34:15
